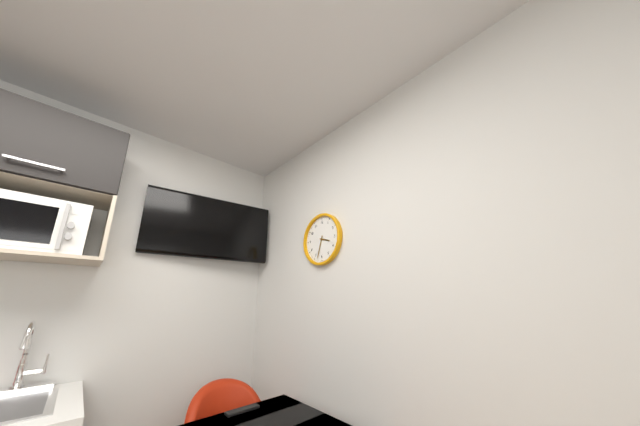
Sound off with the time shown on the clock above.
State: 3:33
